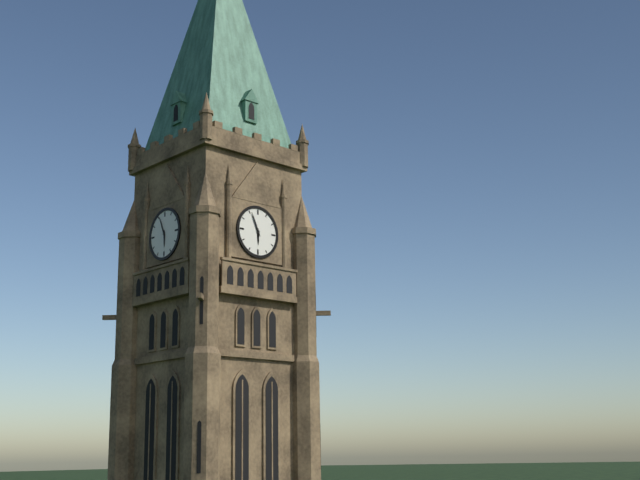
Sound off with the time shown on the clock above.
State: 5:56
